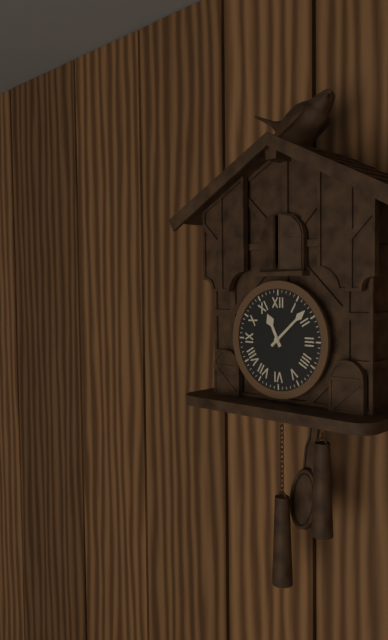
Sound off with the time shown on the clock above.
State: 11:08
